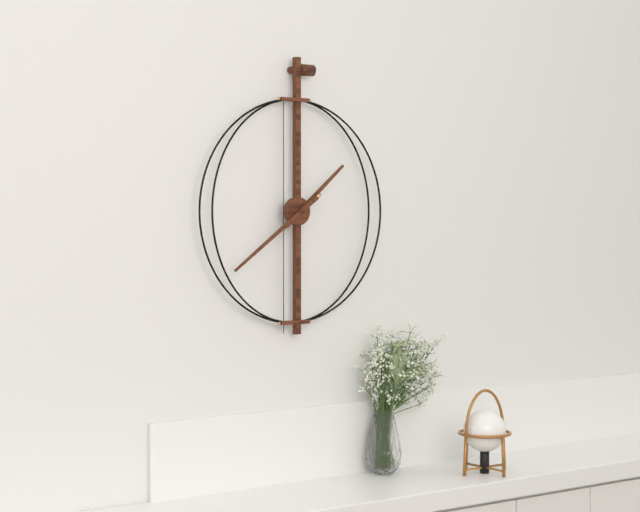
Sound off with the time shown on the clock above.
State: 1:39
